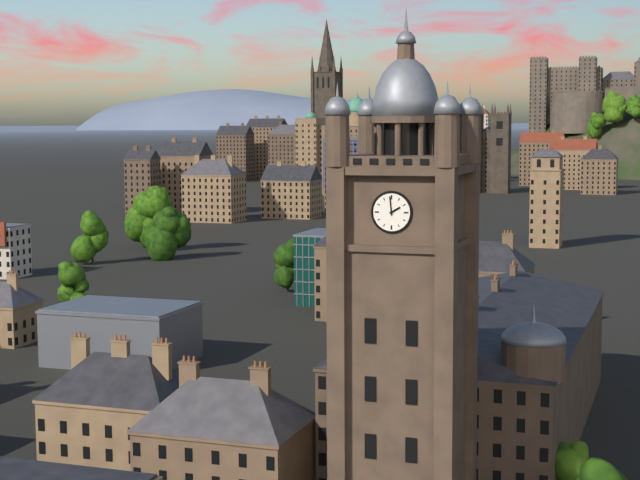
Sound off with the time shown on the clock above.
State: 1:59
